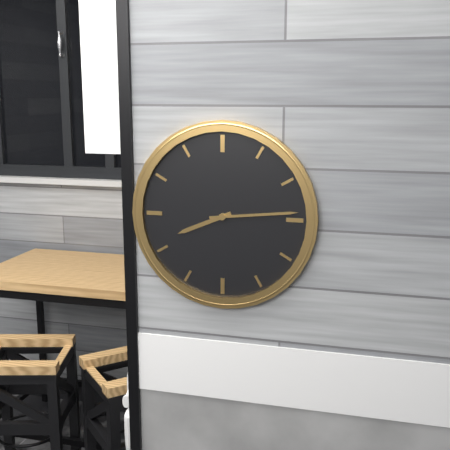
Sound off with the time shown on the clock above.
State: 8:14
